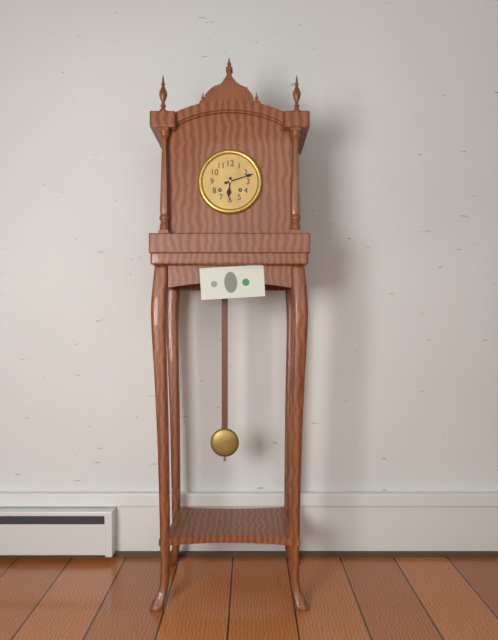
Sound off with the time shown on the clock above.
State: 6:12
